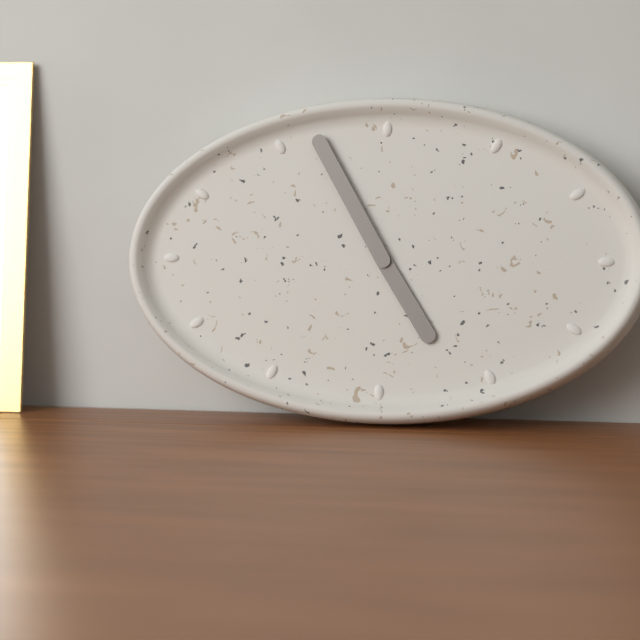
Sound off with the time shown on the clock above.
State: 4:55
